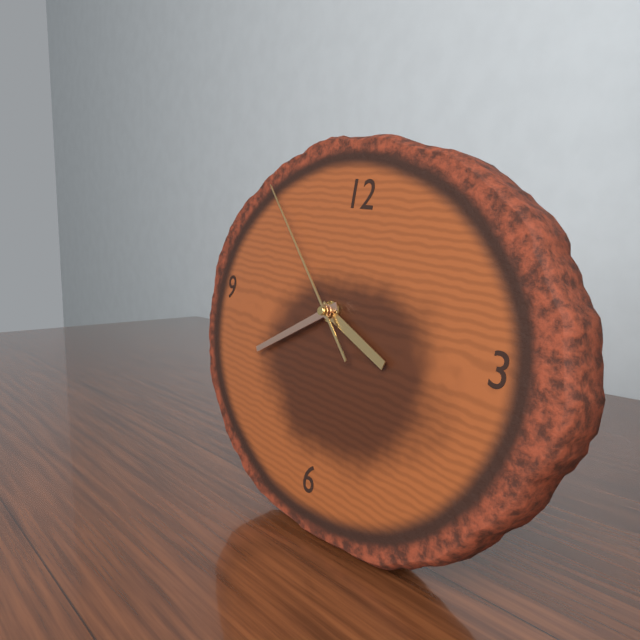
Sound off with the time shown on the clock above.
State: 3:40:52
